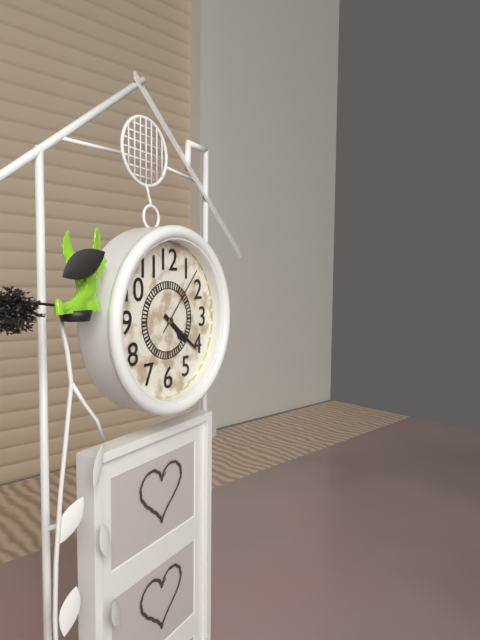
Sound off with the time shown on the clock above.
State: 4:21:07
